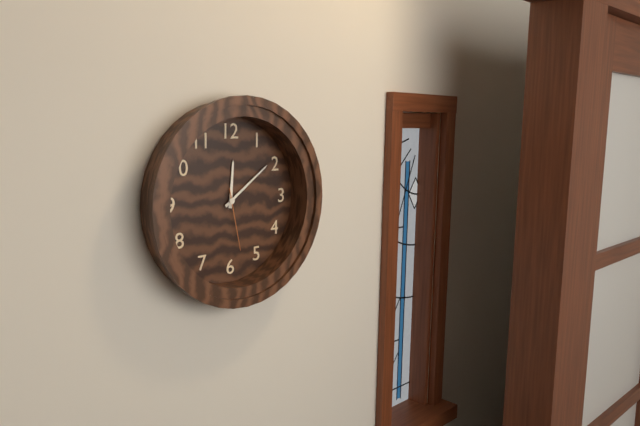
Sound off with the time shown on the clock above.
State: 12:09:28
